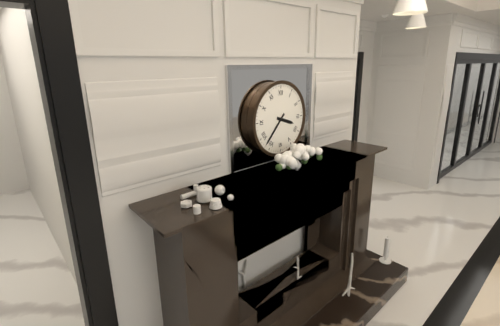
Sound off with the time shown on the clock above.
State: 3:37
